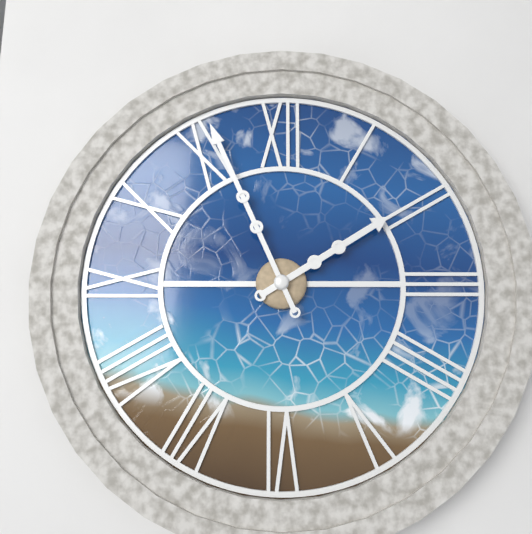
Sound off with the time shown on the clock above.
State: 1:56
